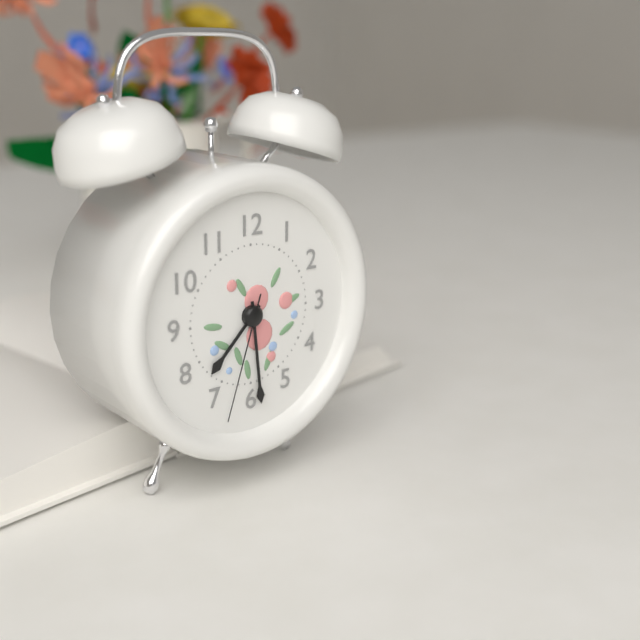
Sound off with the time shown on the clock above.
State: 7:29:33
